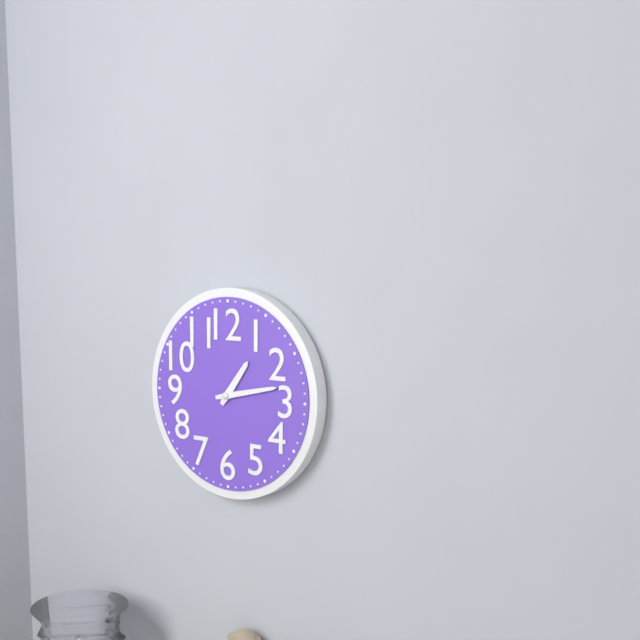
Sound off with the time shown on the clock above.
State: 1:13
